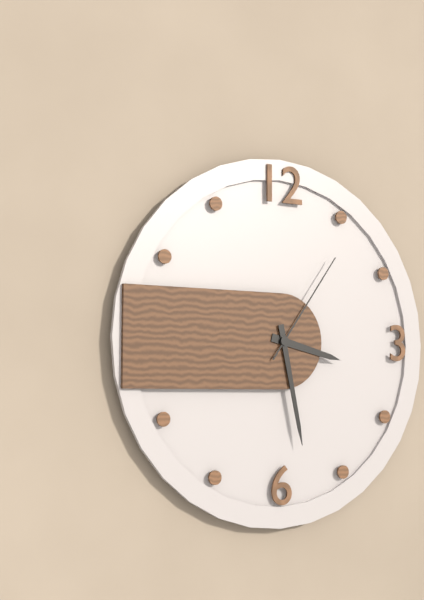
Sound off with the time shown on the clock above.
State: 3:28:06
